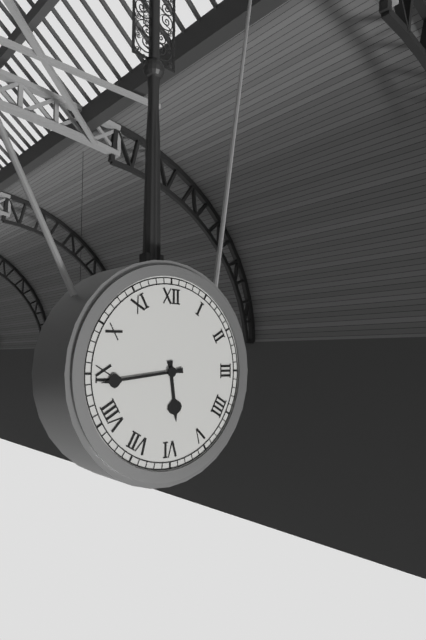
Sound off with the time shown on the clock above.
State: 5:44
